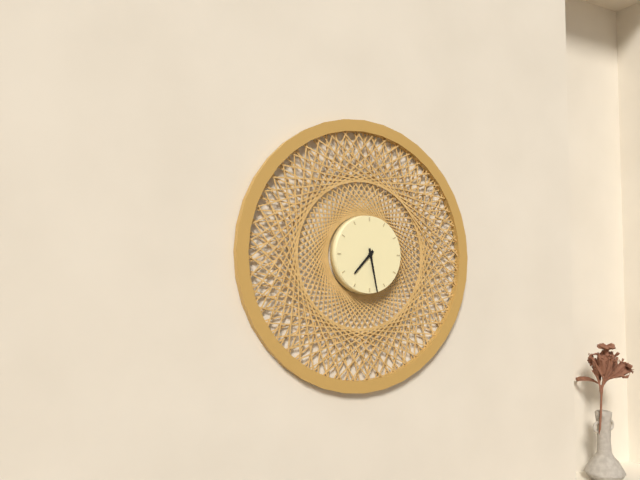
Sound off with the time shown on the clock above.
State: 7:28
